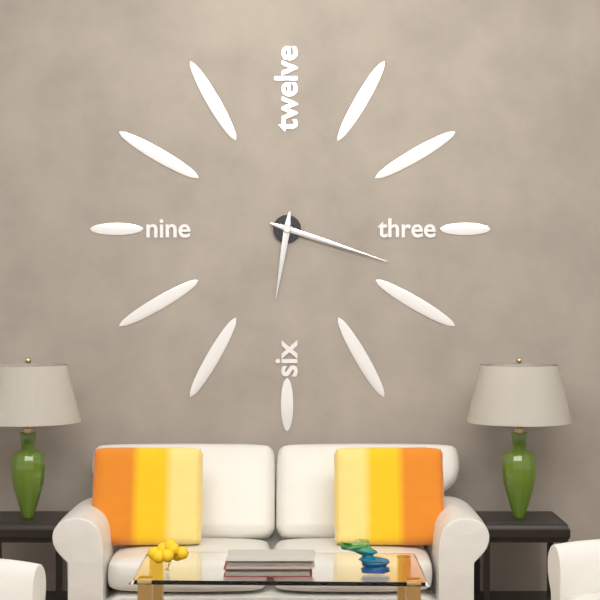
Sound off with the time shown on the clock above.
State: 6:18
